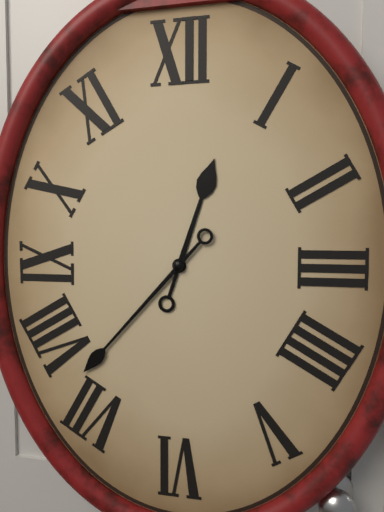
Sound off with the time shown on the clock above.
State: 12:37
